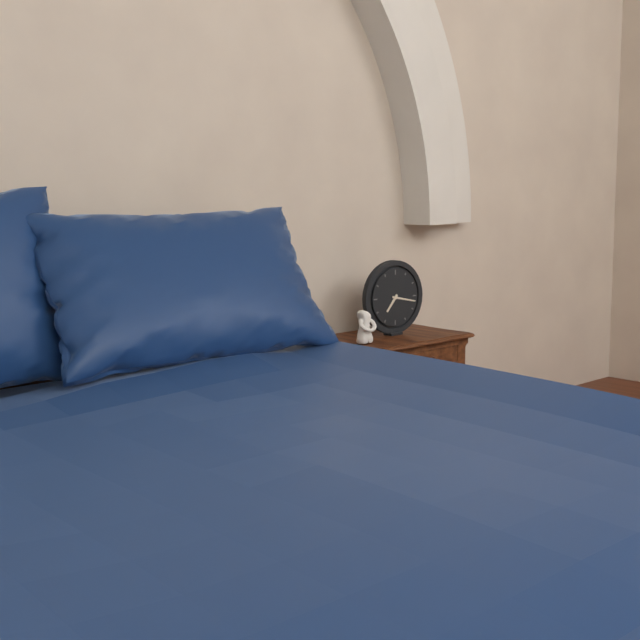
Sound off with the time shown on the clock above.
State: 7:17
